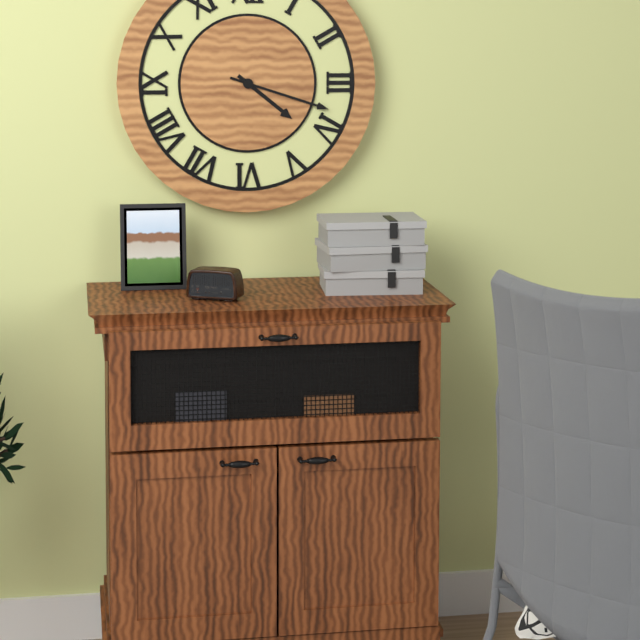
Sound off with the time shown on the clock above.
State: 4:18
